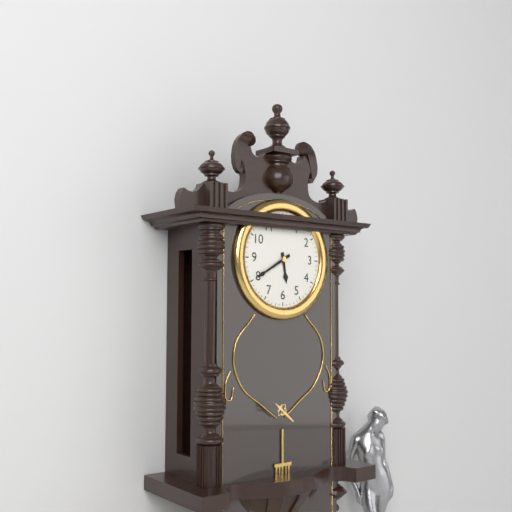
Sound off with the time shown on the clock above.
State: 5:40
